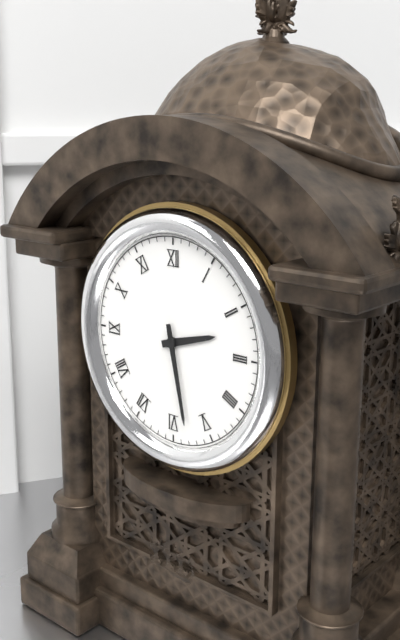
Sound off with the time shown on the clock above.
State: 2:28
